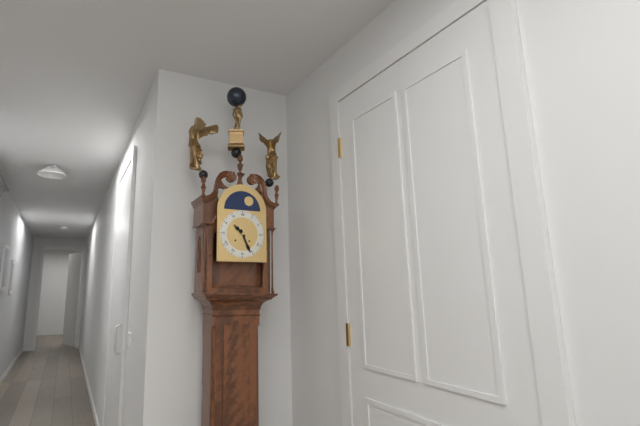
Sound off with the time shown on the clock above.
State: 10:26
